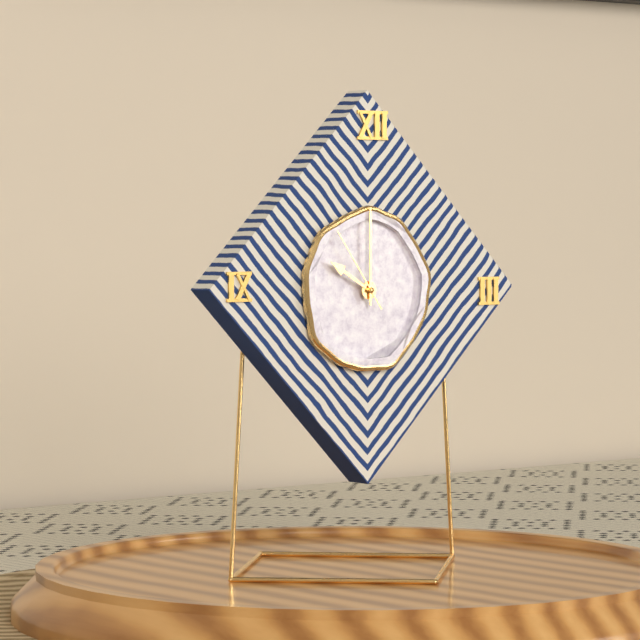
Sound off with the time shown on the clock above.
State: 10:00:54
